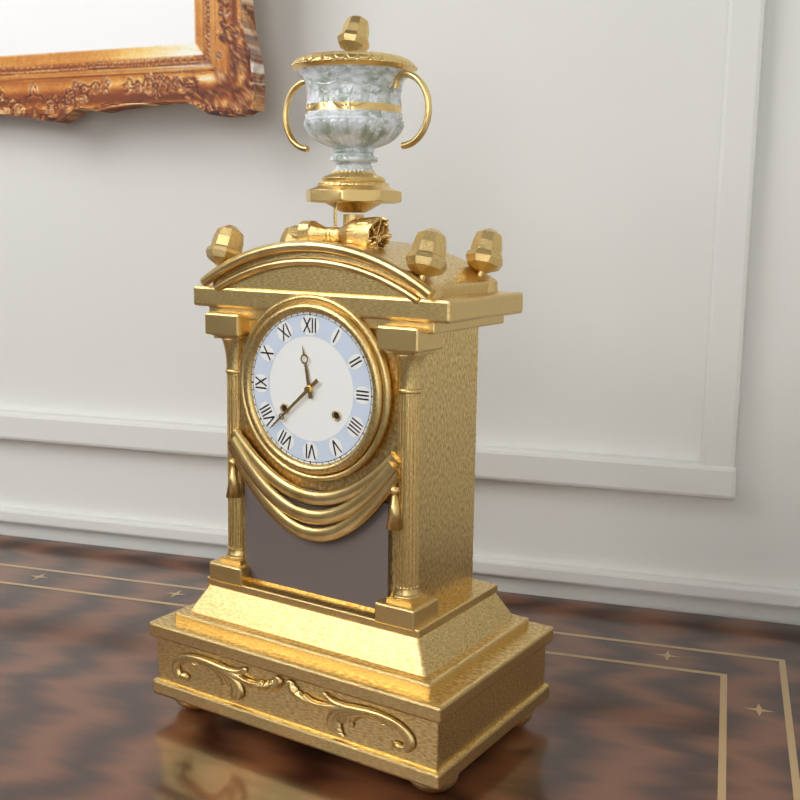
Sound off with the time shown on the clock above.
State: 11:38
